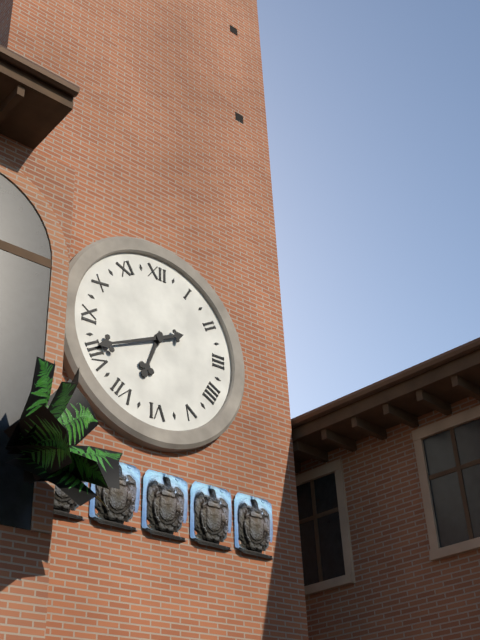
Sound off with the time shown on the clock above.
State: 6:41
